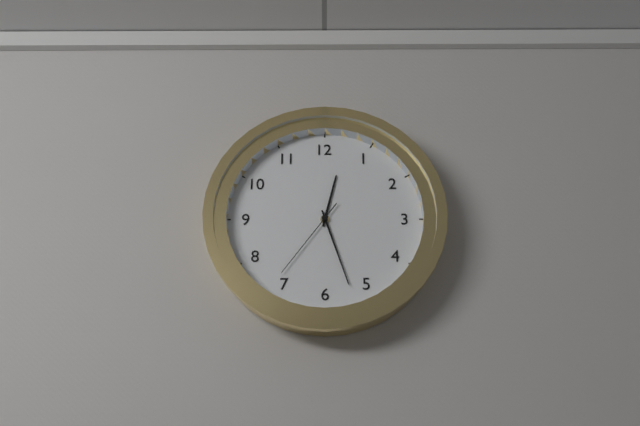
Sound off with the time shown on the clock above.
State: 12:27:36
